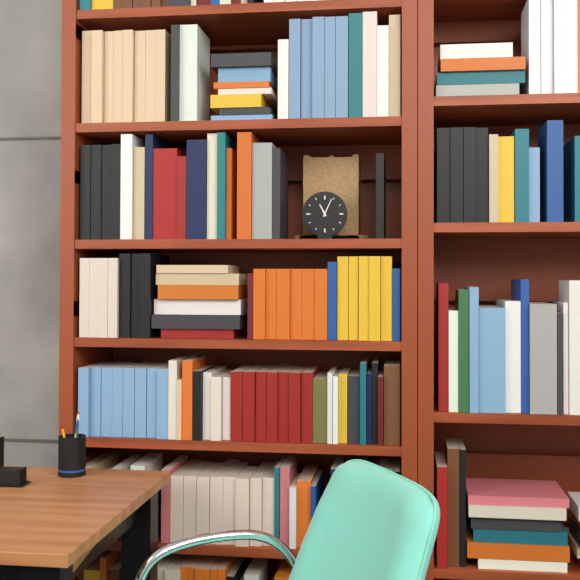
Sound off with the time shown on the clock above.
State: 11:04
